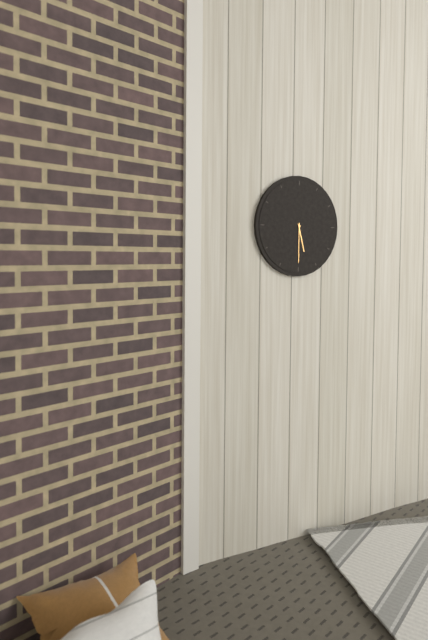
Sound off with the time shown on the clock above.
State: 5:30
